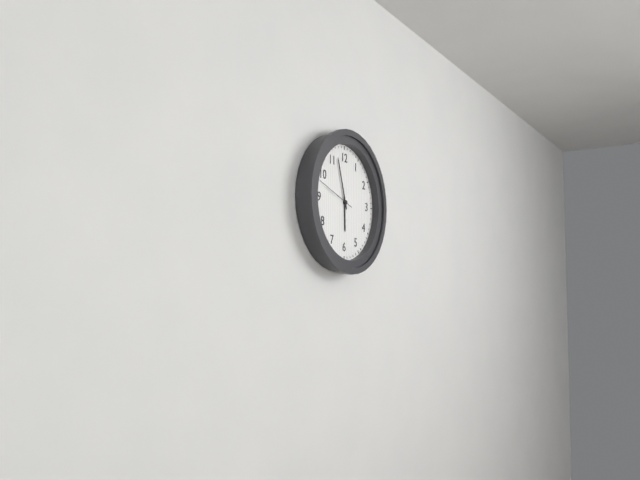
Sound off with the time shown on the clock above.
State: 5:57
